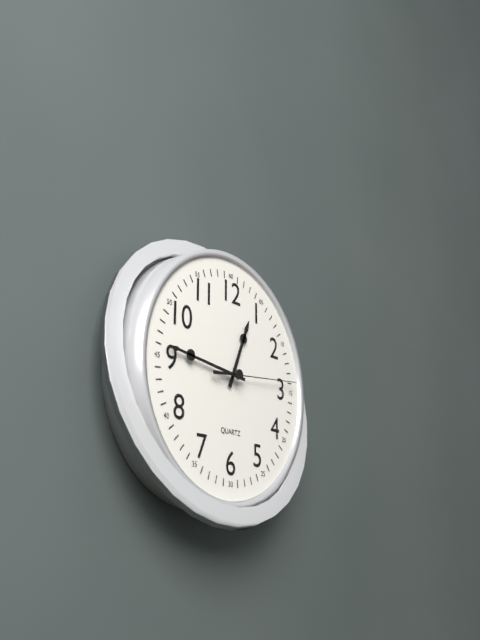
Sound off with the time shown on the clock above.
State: 12:46:14
